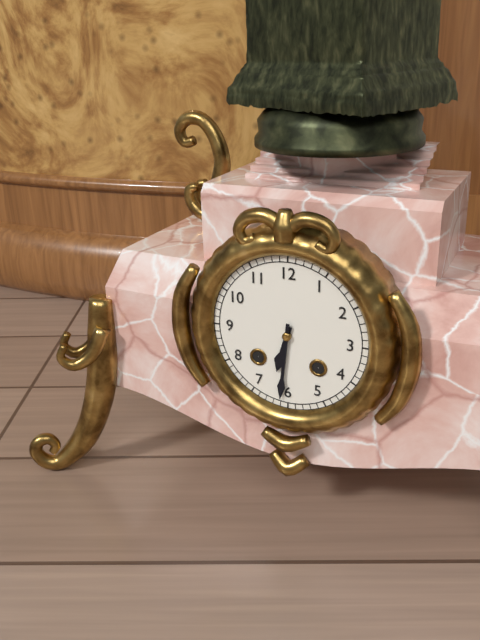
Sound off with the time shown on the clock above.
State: 6:31
